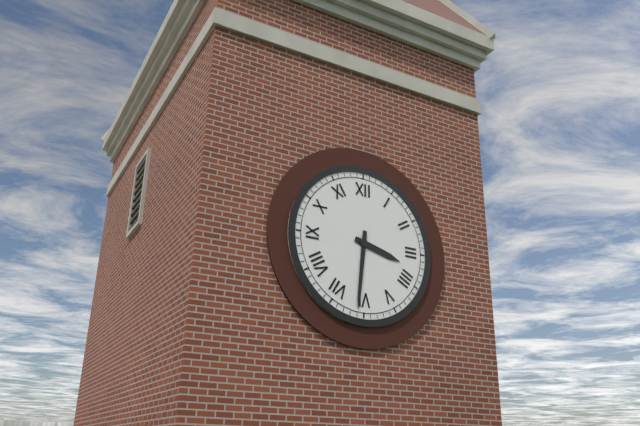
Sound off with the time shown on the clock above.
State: 3:31
